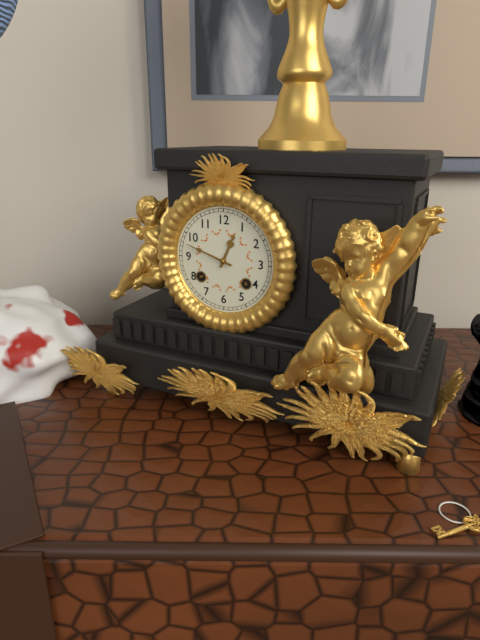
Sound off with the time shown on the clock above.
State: 12:48
